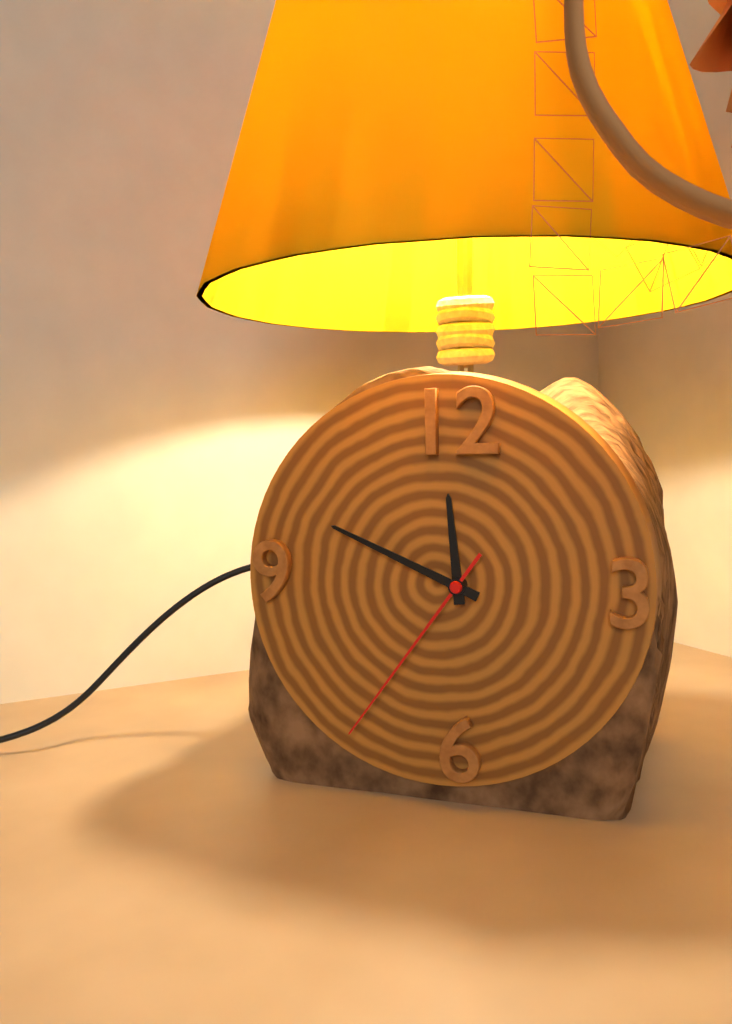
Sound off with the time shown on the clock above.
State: 11:49:36
